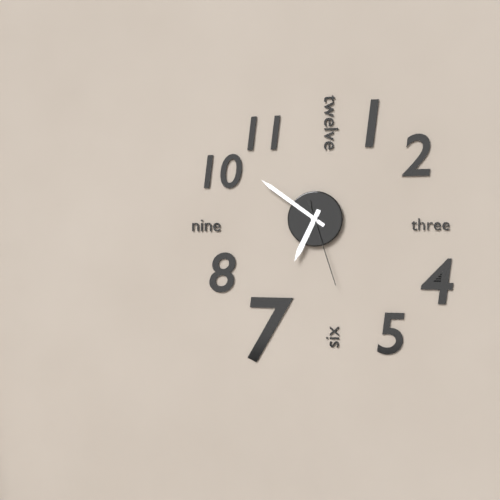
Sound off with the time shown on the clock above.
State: 6:51:27
